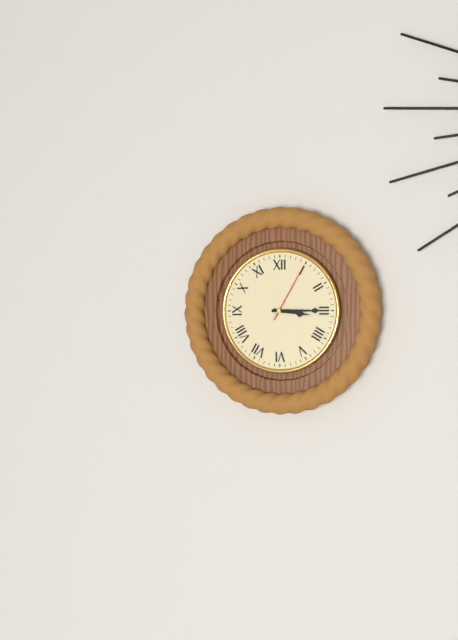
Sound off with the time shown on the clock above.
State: 3:15:05
